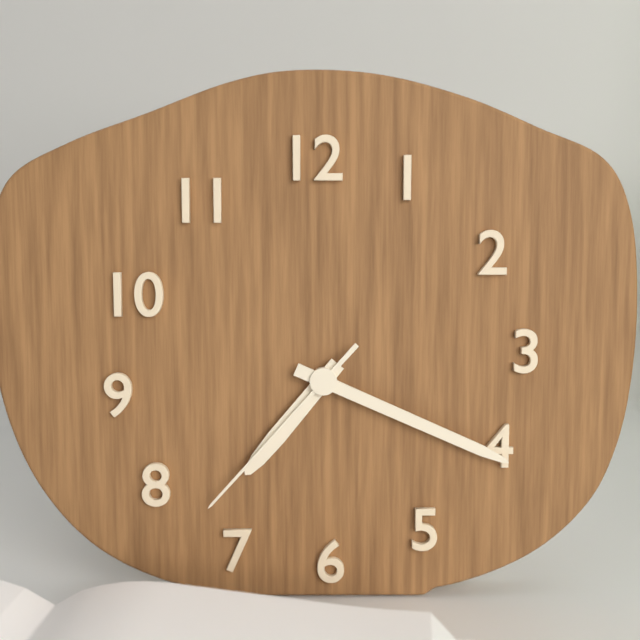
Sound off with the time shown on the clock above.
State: 7:19:37
